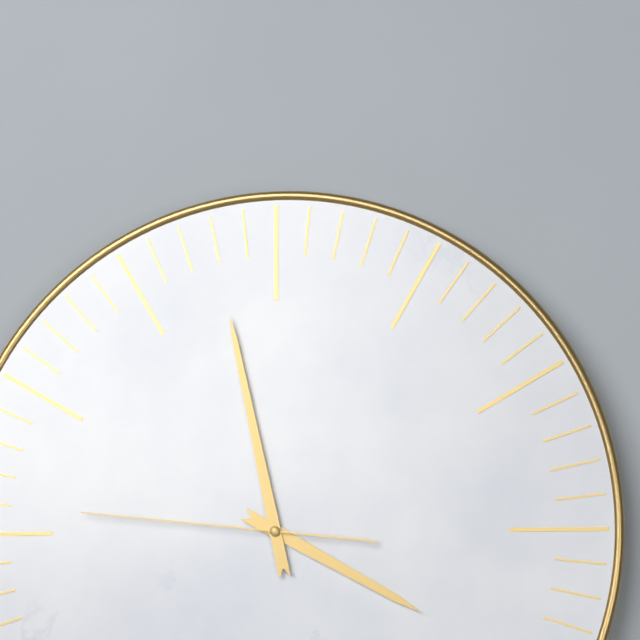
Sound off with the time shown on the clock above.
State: 3:58:46
